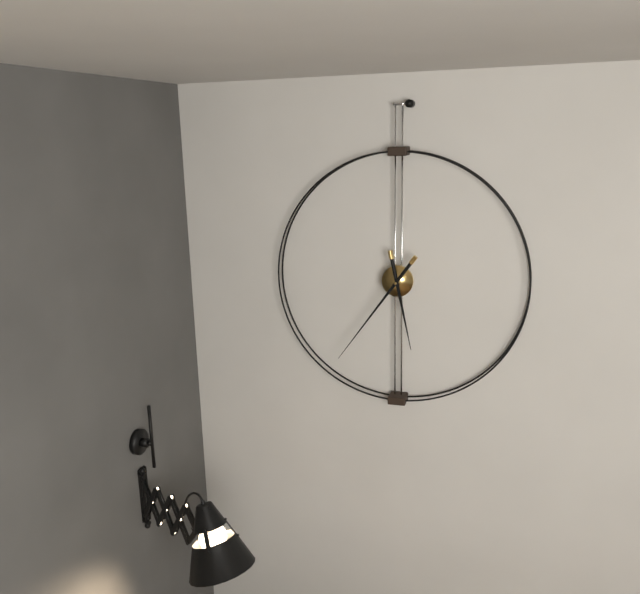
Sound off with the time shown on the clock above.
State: 5:36
